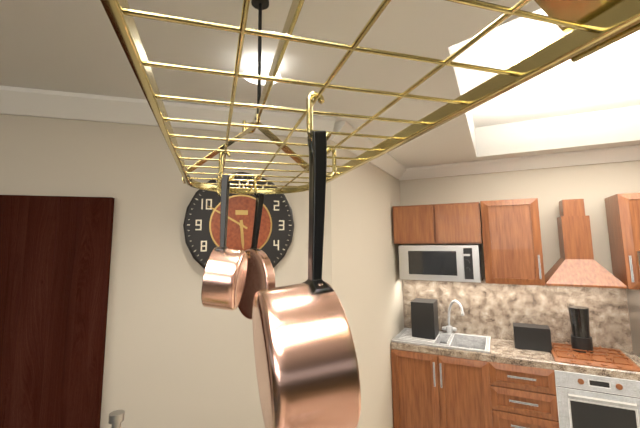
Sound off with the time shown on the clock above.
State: 5:50
